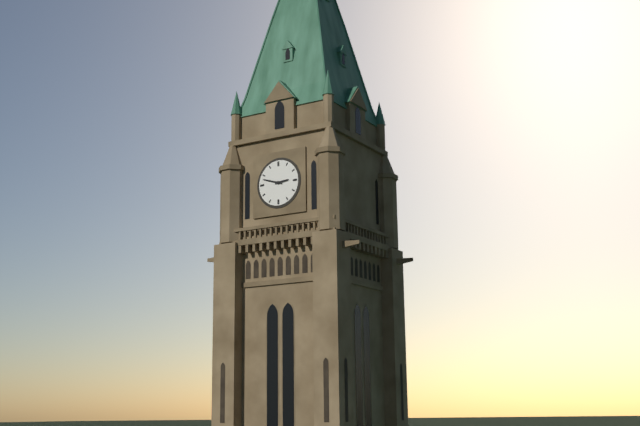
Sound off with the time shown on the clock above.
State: 2:48
